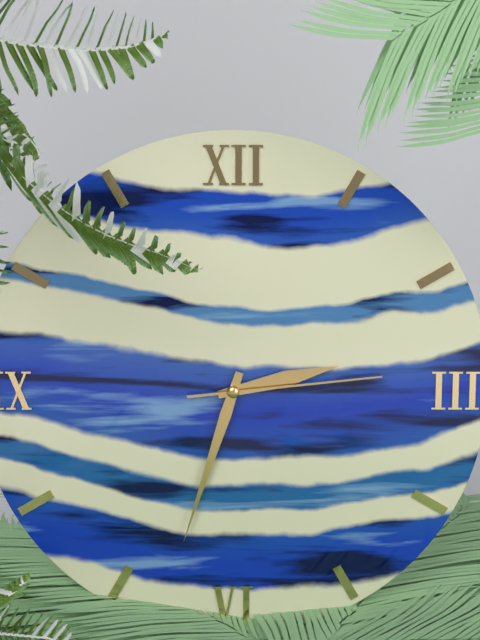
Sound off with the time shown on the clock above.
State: 2:33:14
